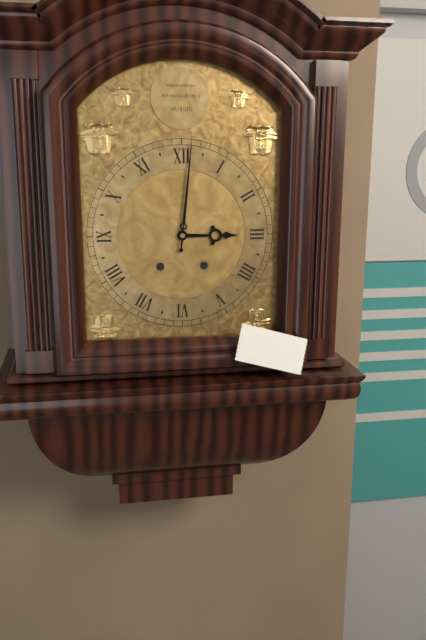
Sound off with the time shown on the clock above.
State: 3:01
